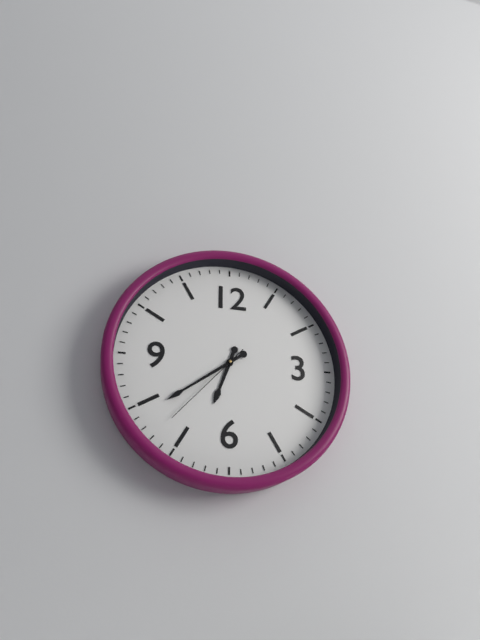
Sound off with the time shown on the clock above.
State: 6:39:37
